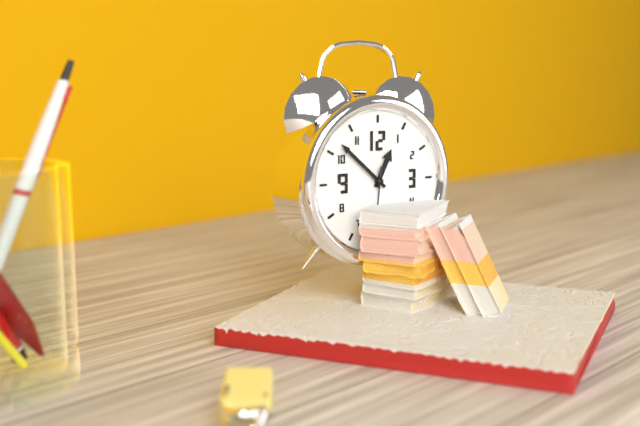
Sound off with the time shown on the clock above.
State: 12:52
